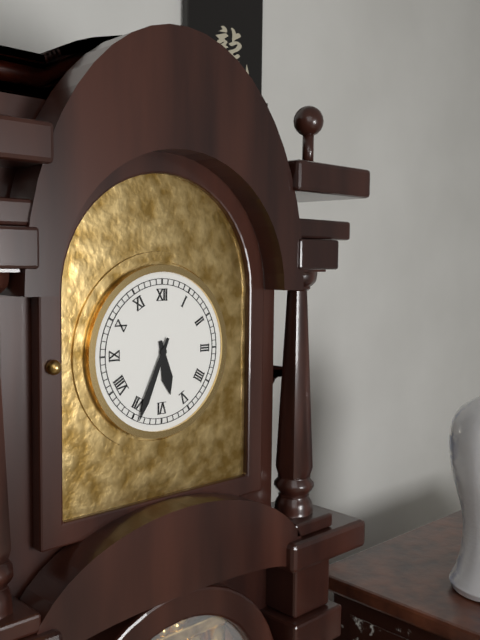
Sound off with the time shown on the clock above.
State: 5:34
